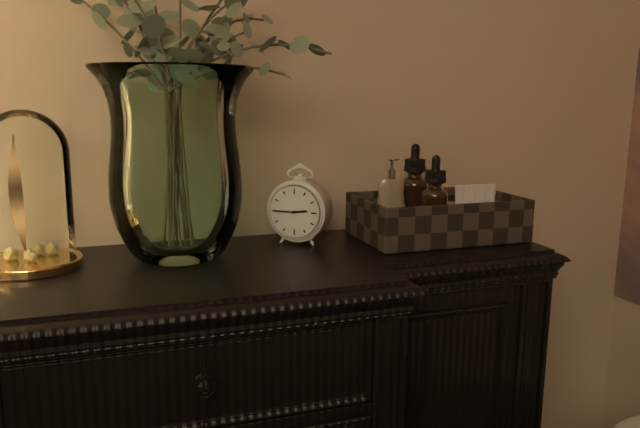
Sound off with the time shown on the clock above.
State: 2:45
